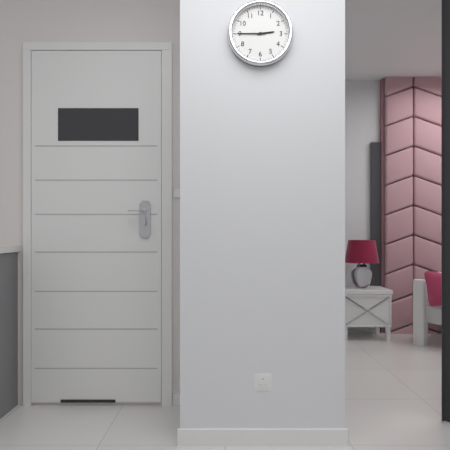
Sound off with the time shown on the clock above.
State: 2:45
